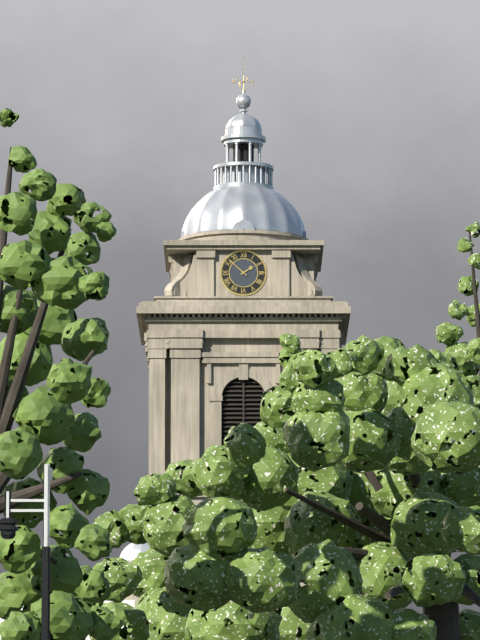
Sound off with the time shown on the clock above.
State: 1:52
